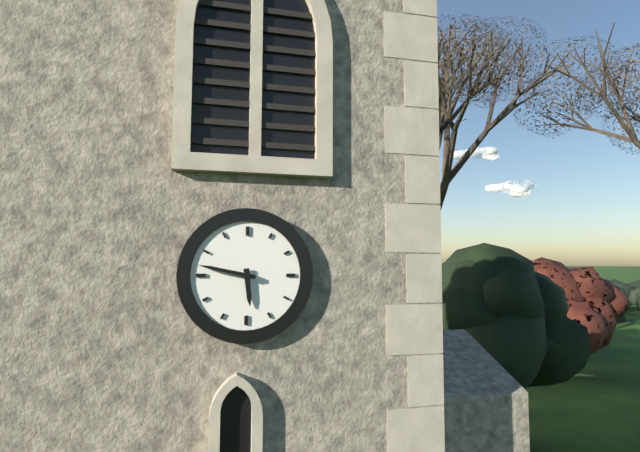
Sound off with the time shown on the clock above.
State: 5:47
